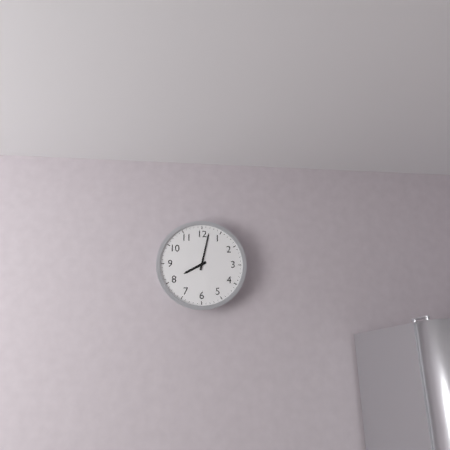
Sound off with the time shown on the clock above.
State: 8:02
